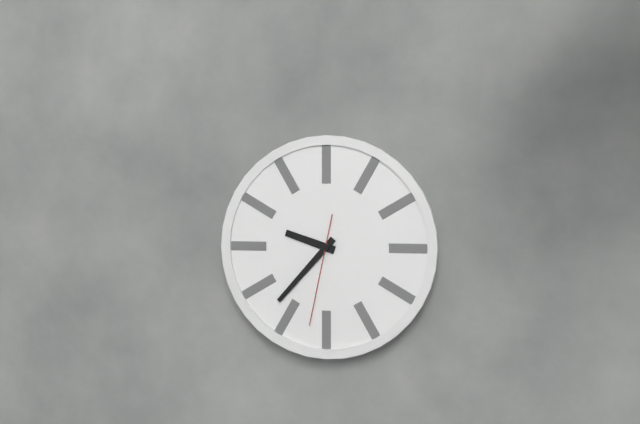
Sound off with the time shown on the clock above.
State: 9:37:32
